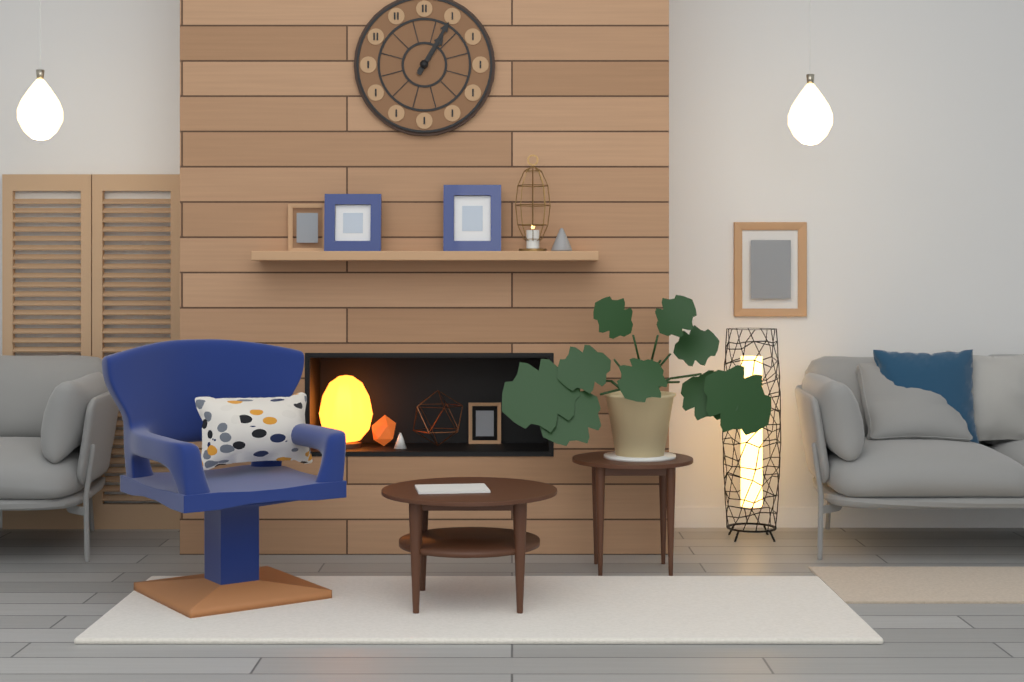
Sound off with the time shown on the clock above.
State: 1:05
